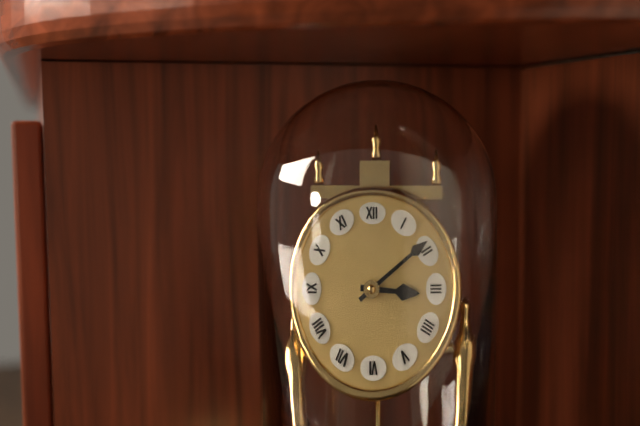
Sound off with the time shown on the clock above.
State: 3:09
